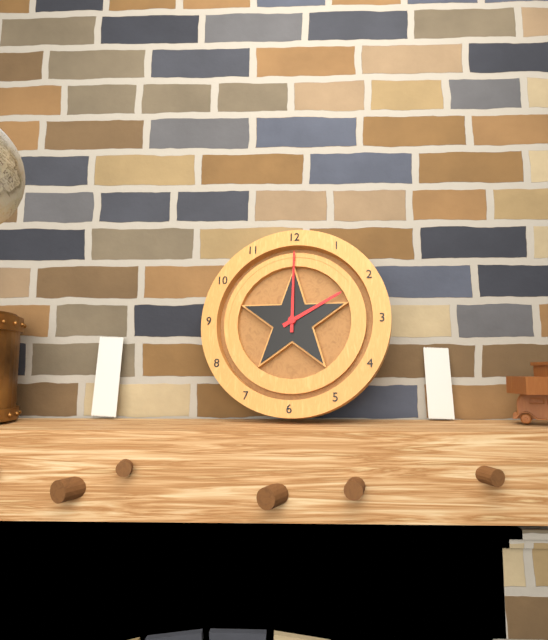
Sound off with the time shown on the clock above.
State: 2:00
